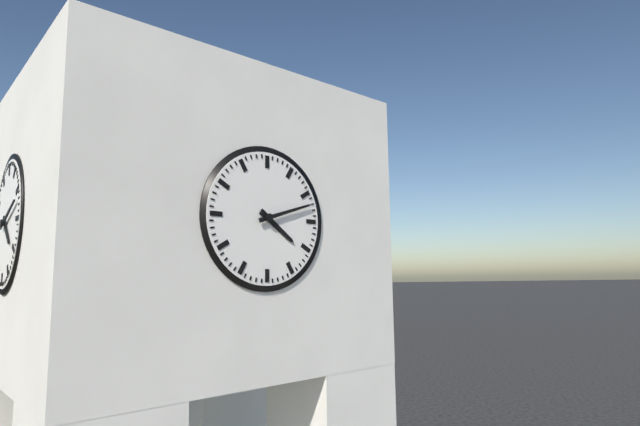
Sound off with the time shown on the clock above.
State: 4:12
